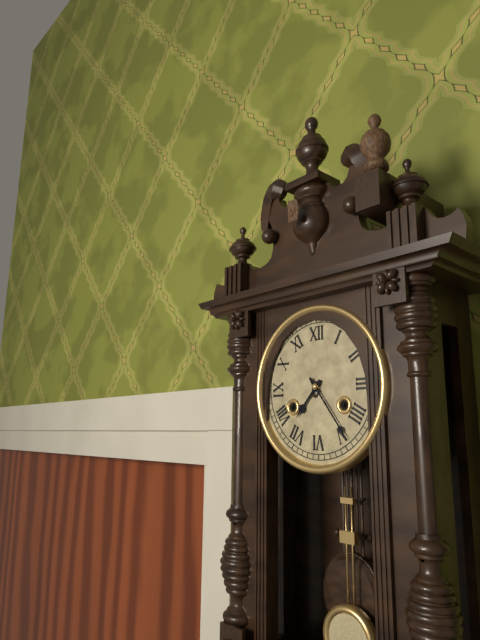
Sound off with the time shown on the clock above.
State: 7:24
